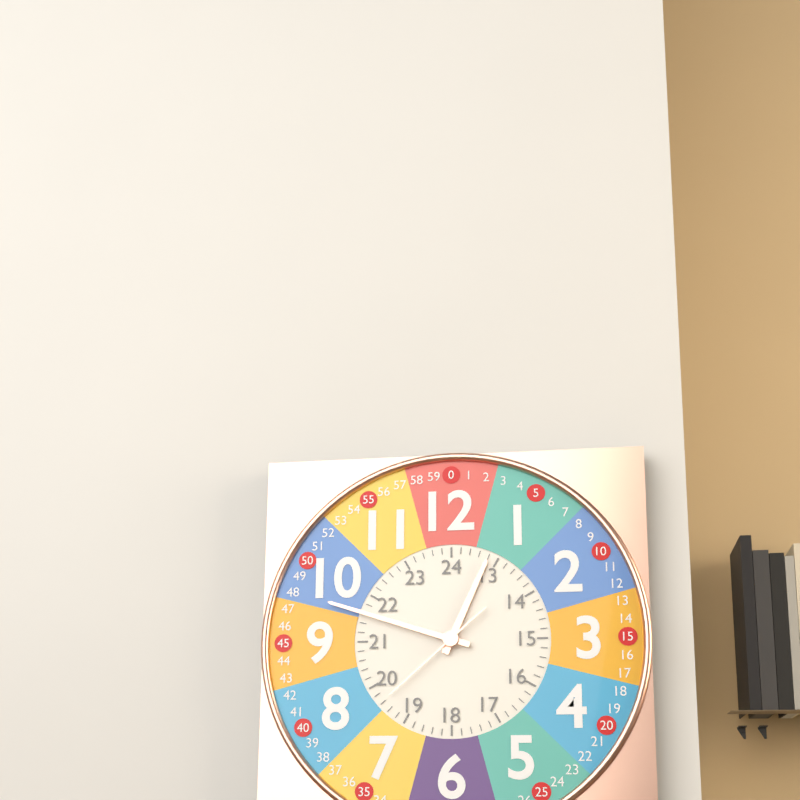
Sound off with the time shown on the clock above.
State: 12:48:38
